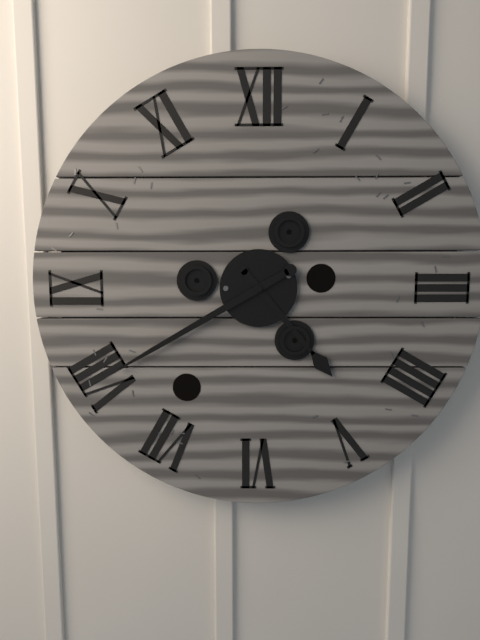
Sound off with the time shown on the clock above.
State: 4:40
